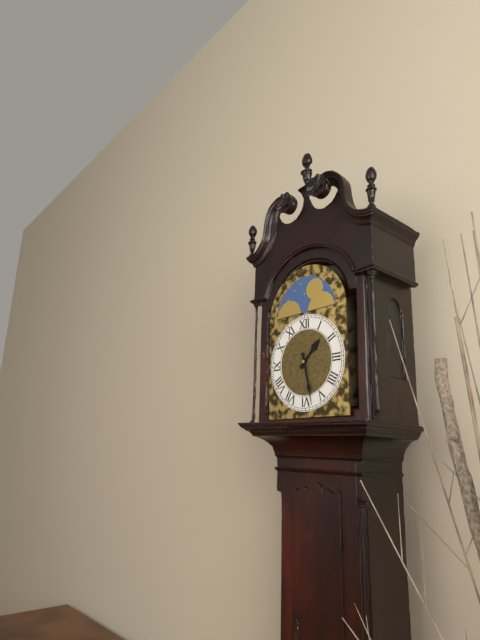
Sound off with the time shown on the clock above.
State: 1:28
